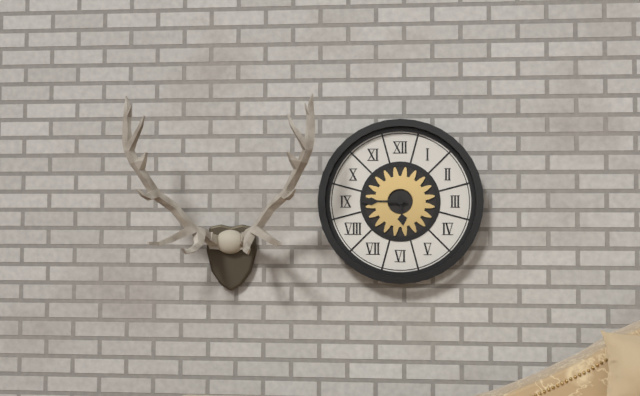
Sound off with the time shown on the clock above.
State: 5:45
